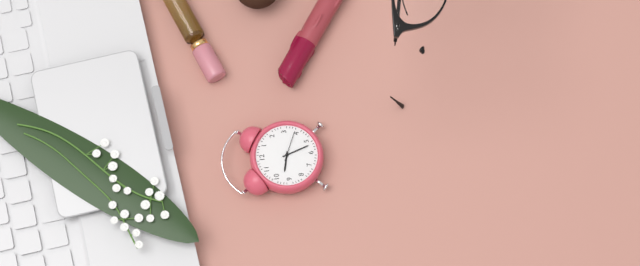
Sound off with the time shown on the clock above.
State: 9:27
